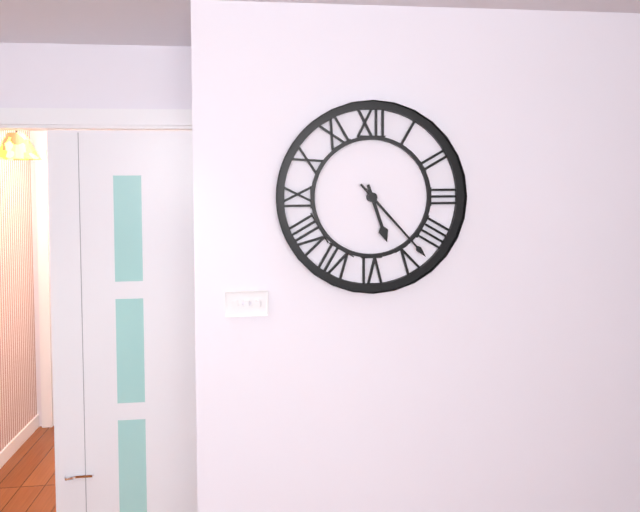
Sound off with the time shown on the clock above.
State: 5:23
